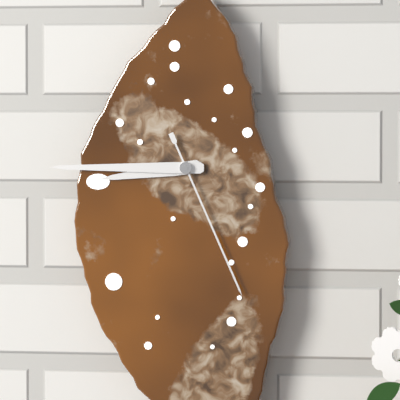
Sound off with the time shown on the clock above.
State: 8:45:26
